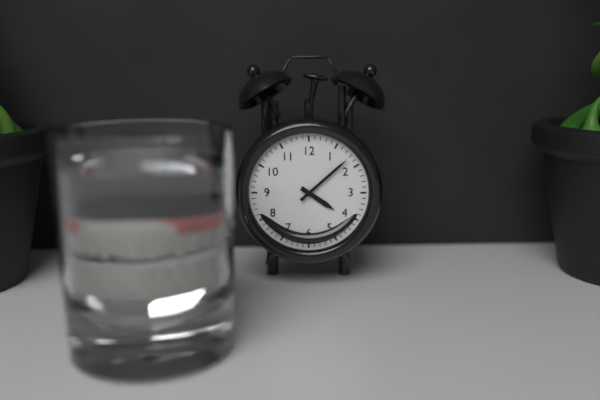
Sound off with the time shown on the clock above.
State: 4:08
